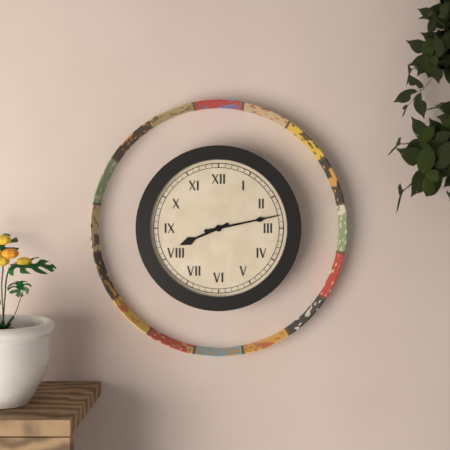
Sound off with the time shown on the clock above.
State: 8:13
